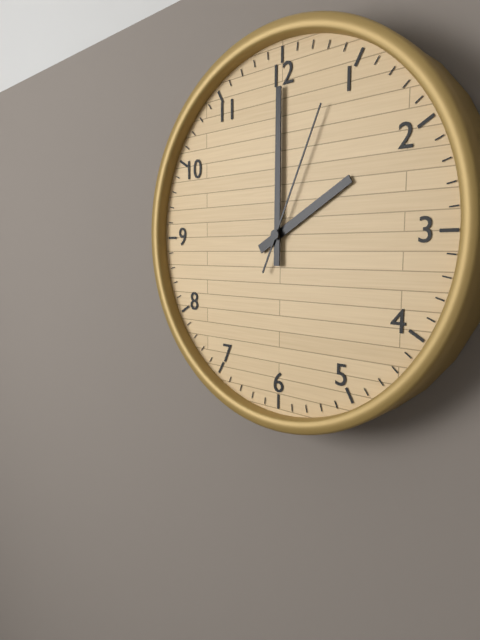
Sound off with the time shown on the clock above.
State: 2:00:04
